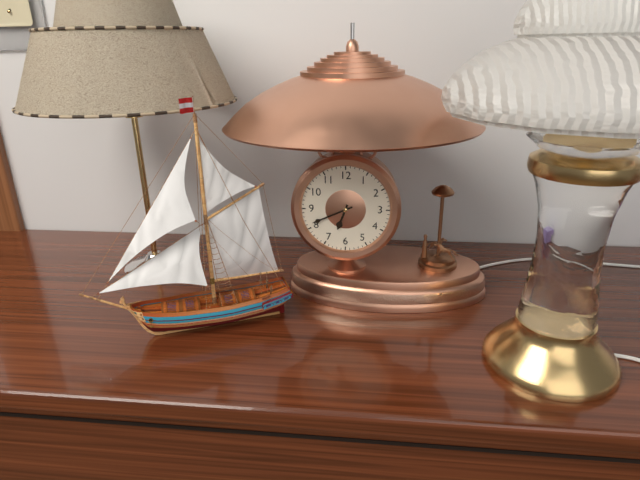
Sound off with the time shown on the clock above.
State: 6:41
